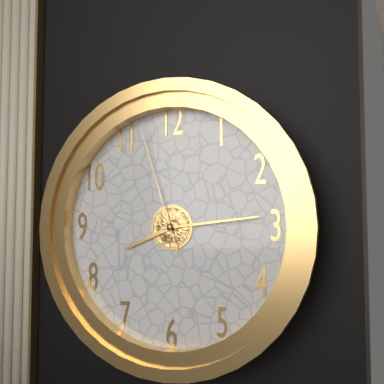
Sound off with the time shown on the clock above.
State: 8:14:57
